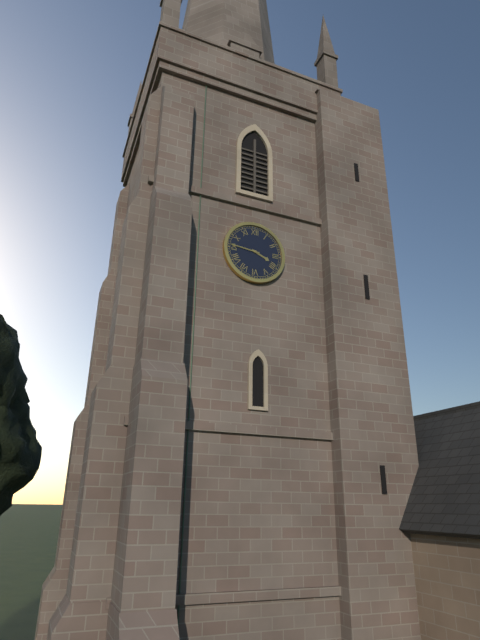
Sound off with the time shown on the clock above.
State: 3:46
